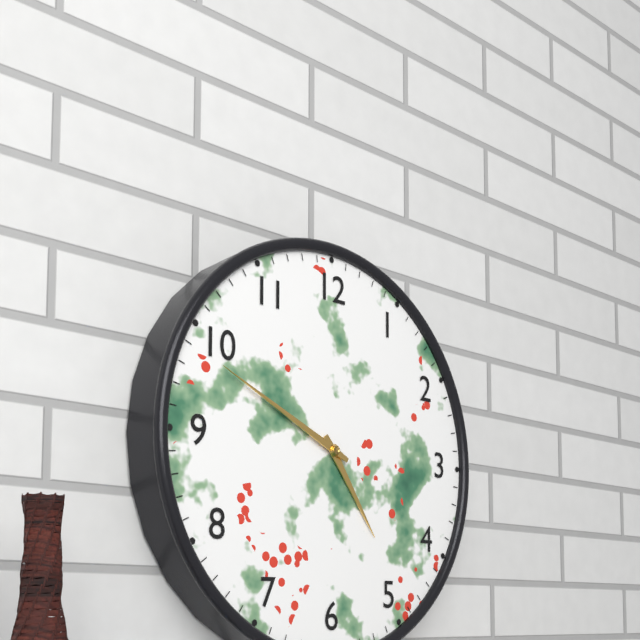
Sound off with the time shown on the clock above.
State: 4:49
